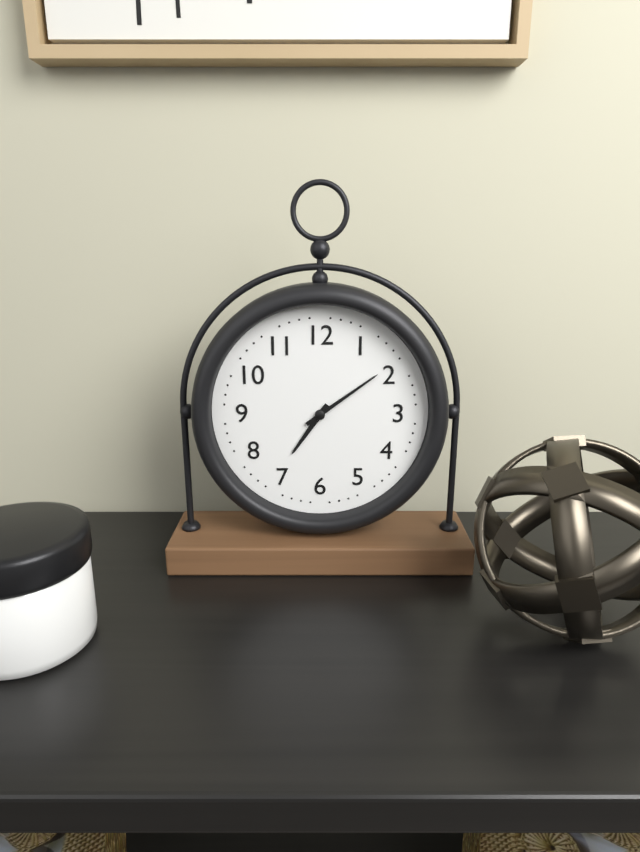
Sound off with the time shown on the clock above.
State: 7:09
